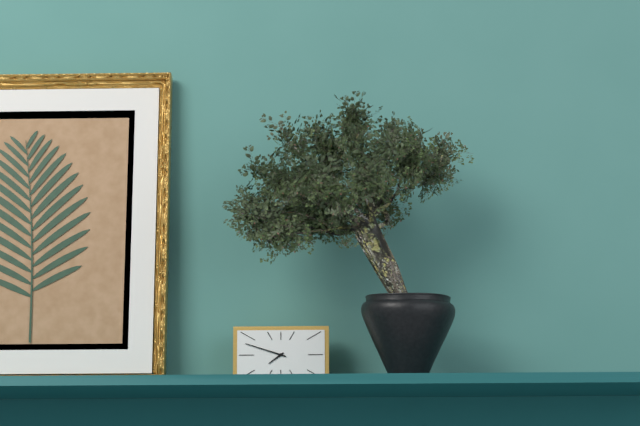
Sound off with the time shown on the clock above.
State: 7:48
